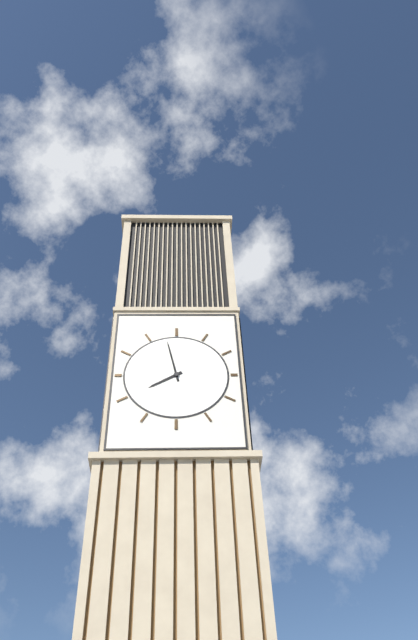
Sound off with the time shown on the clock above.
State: 7:58
